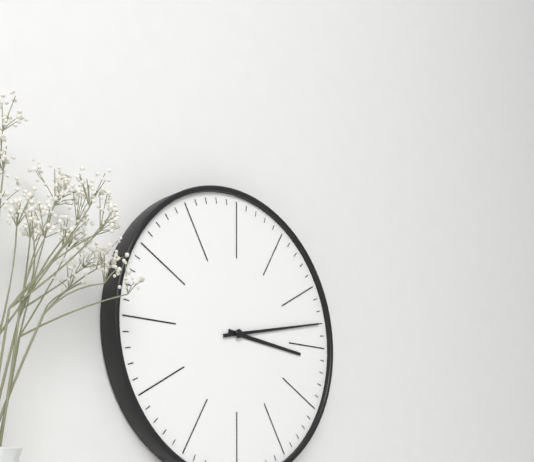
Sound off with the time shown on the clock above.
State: 3:13
